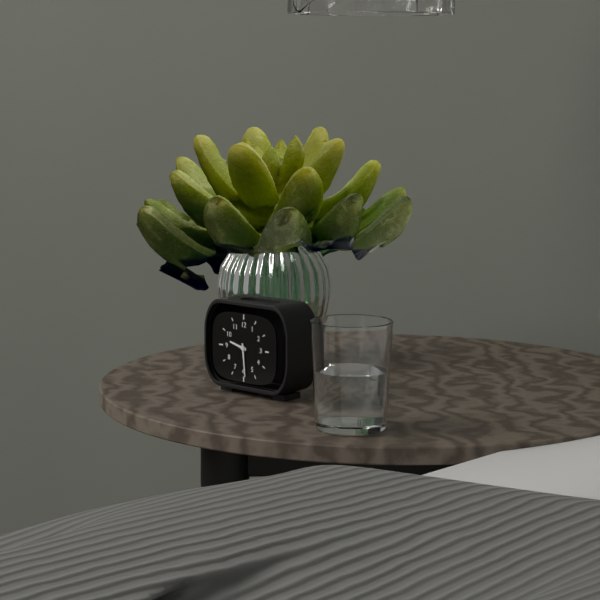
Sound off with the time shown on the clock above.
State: 9:29
